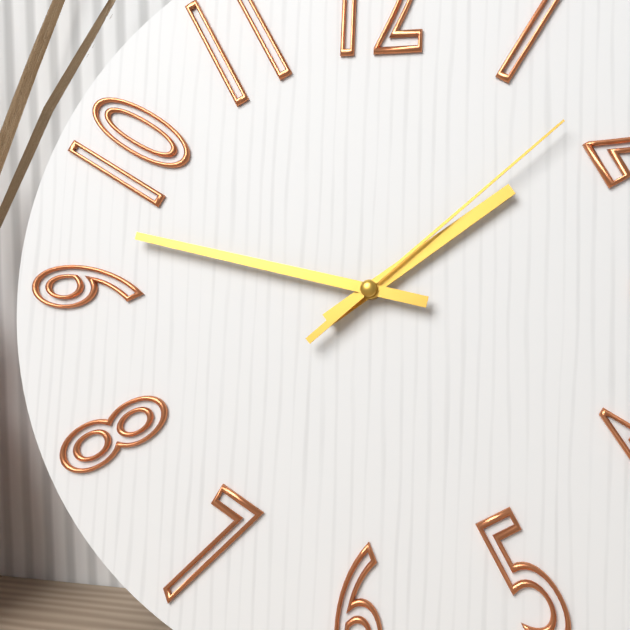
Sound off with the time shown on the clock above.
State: 1:47:08
